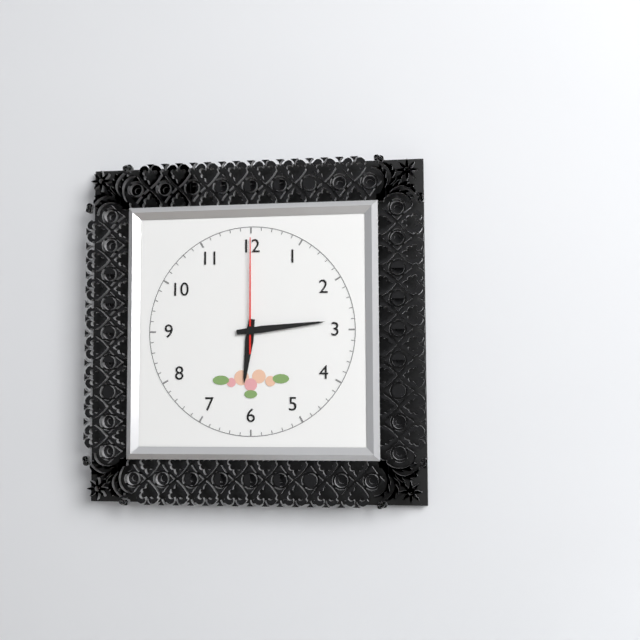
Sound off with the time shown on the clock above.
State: 6:14:00
